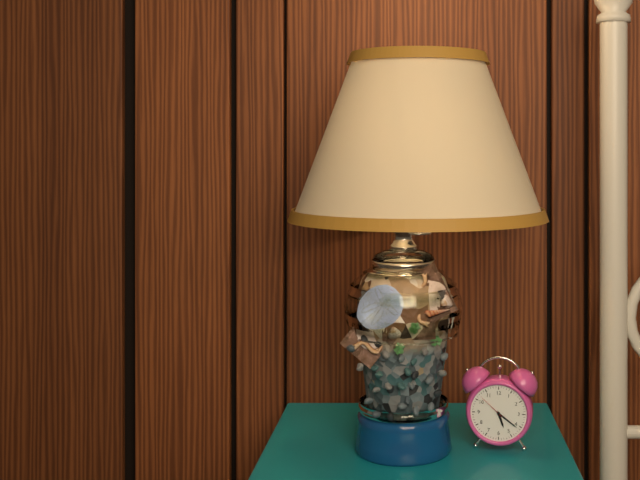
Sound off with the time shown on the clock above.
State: 5:21
